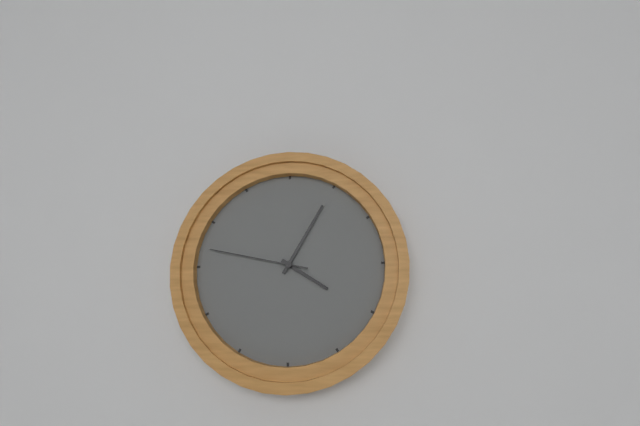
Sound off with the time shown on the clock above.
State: 4:05:47
